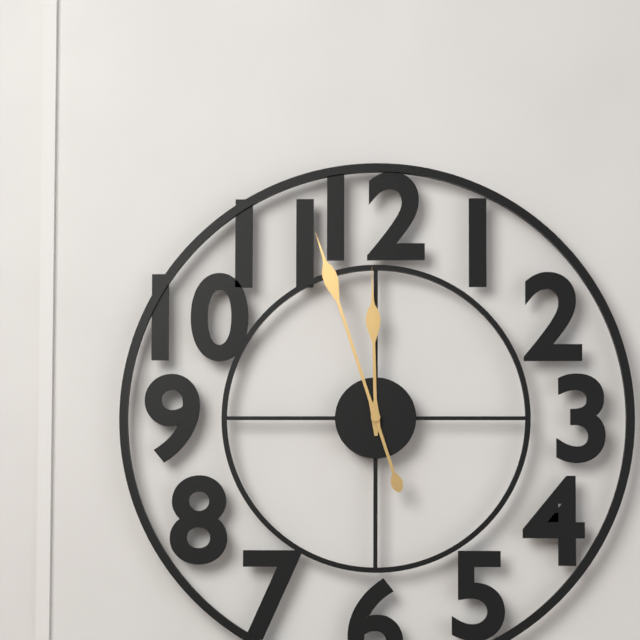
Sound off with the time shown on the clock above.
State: 11:57
